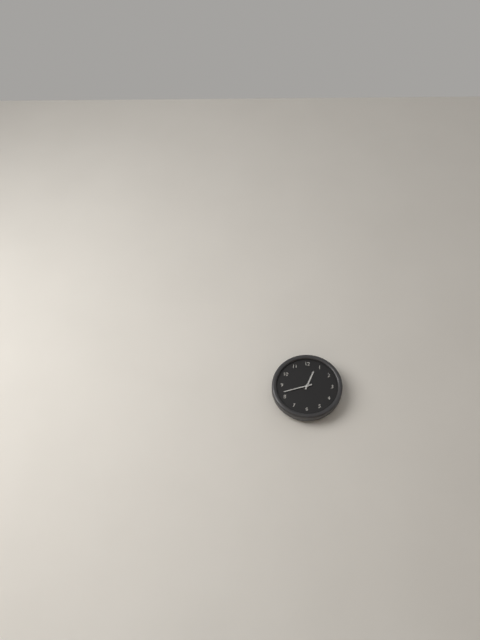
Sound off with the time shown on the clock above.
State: 12:42
